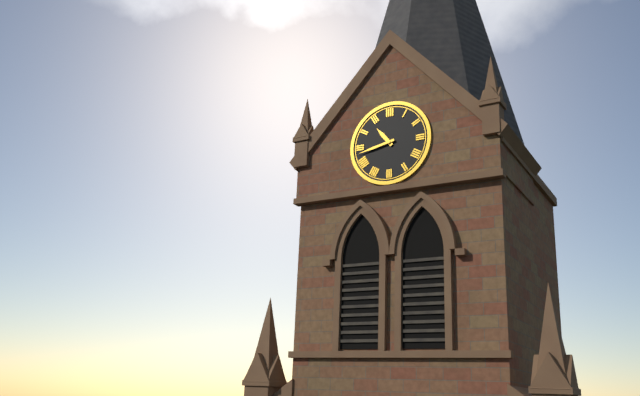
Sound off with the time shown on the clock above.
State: 10:43
